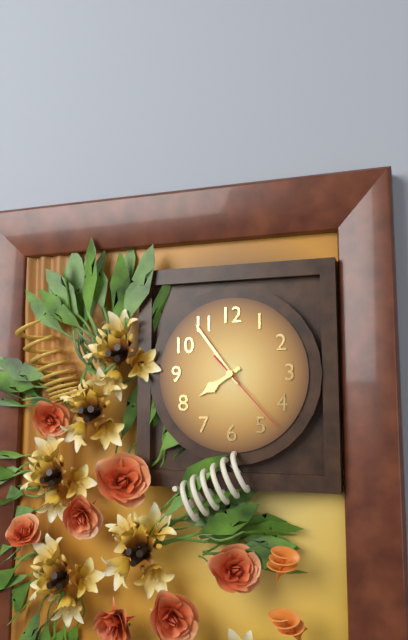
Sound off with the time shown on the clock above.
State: 7:54:23
